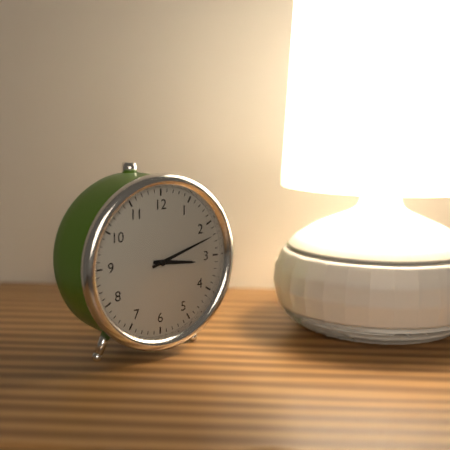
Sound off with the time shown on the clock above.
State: 3:12
